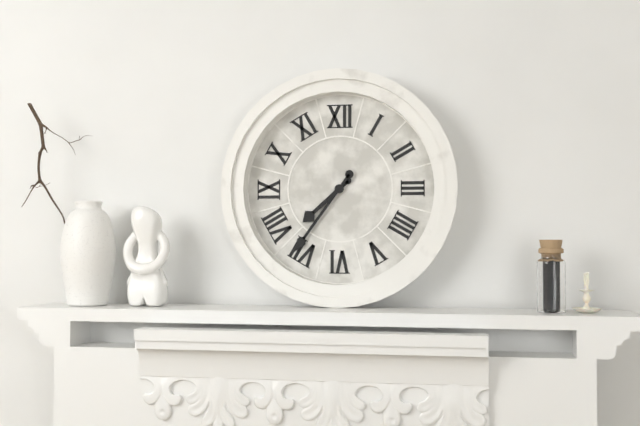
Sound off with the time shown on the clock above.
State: 7:36
